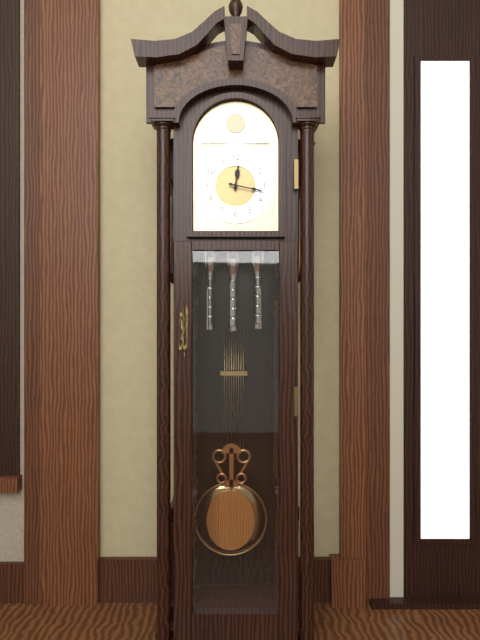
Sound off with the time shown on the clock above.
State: 12:17
